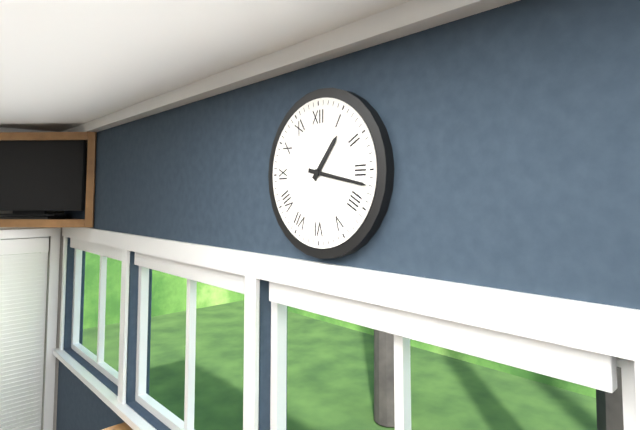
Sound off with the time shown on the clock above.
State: 1:17
